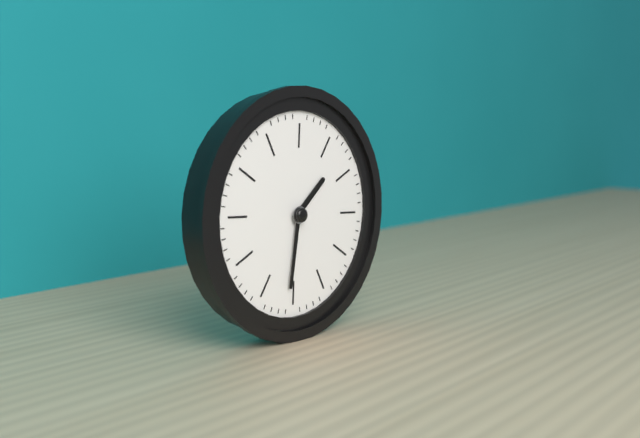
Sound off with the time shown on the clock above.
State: 1:31
